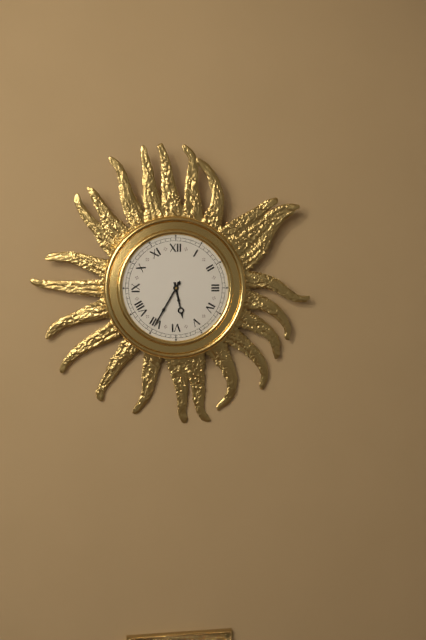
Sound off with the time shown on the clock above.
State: 5:35
